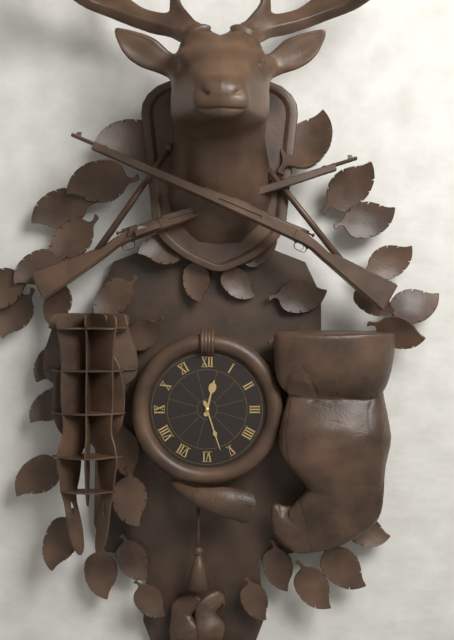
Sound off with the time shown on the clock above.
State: 12:27
